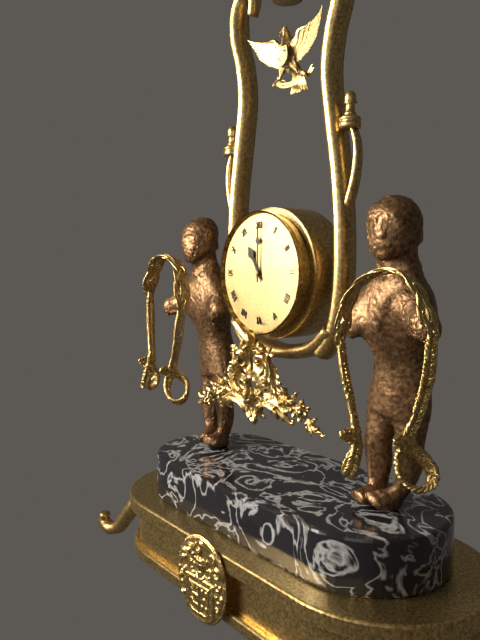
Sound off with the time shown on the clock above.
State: 11:00
